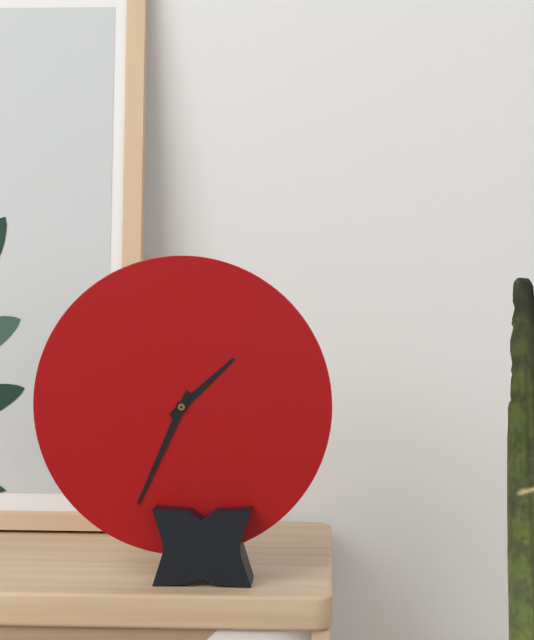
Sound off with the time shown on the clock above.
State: 1:34
